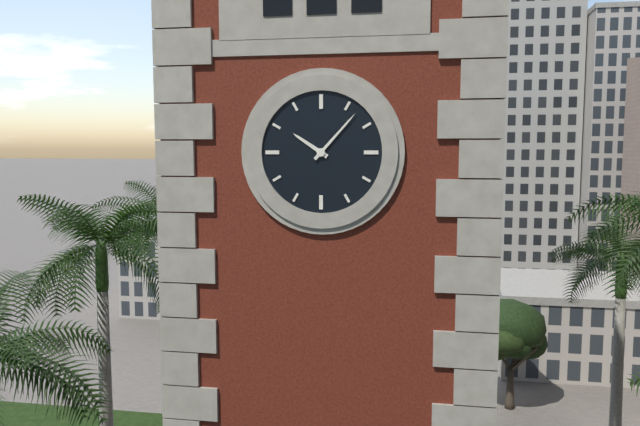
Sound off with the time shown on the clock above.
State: 10:07
